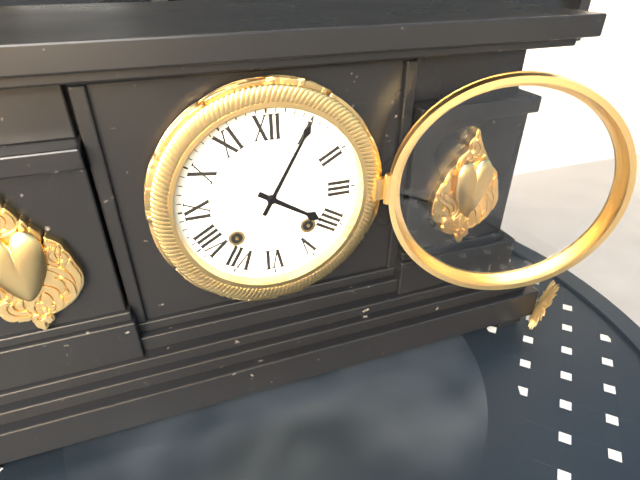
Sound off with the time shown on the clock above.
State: 4:05
